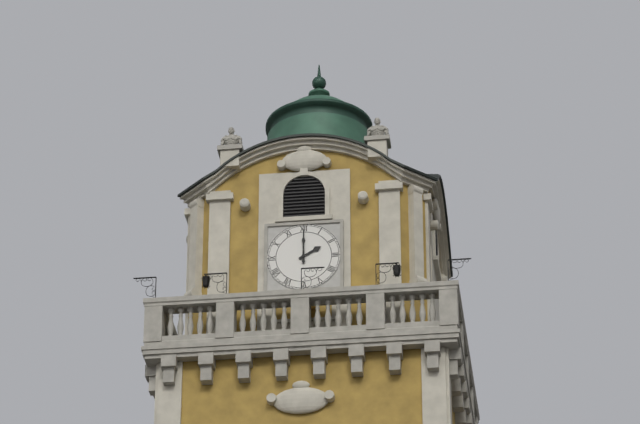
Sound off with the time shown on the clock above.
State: 2:00
